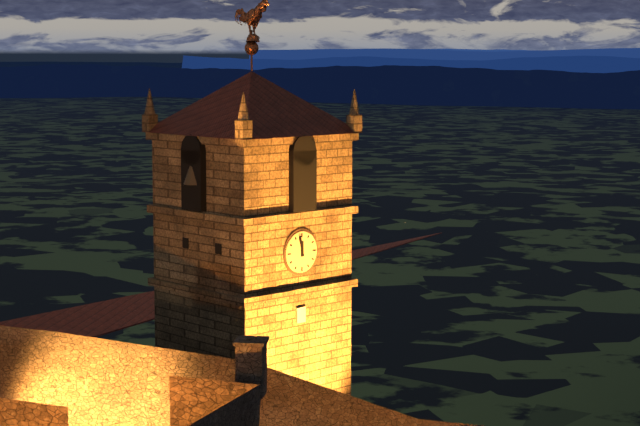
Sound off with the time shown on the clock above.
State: 11:58
